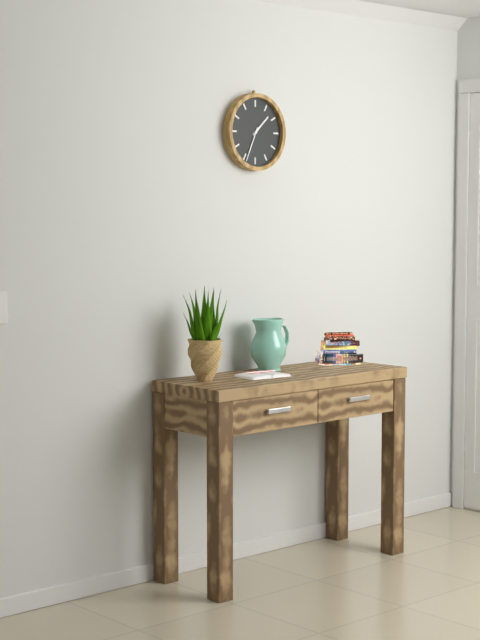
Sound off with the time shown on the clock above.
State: 1:34
